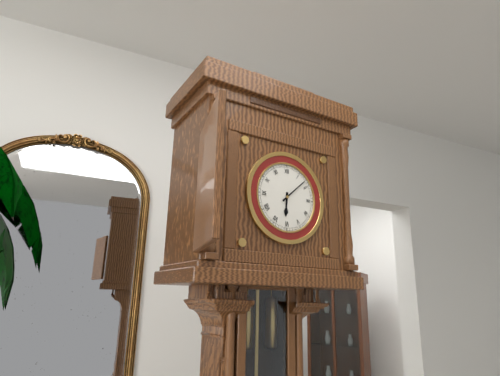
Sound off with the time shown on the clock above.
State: 6:08
